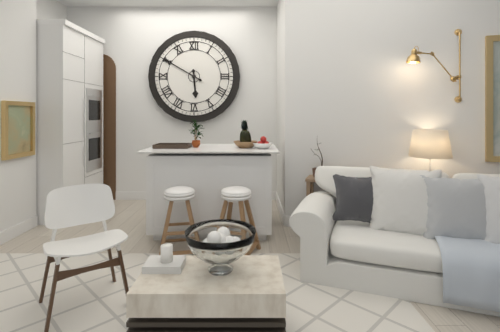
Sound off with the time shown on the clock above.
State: 5:50
